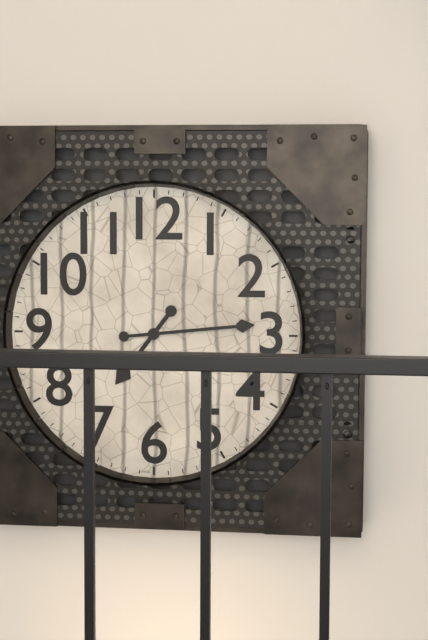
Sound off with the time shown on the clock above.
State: 7:14
